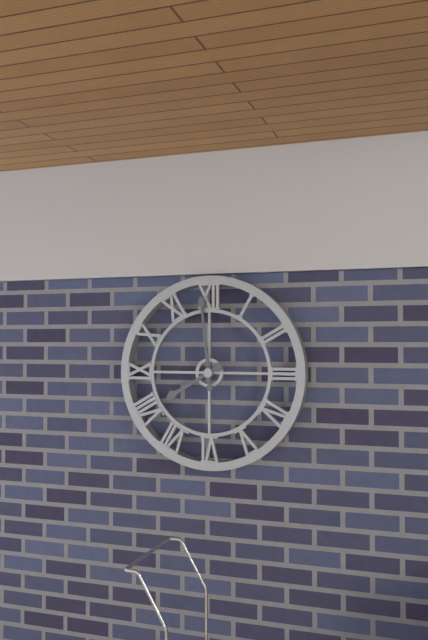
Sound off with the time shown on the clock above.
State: 7:59
